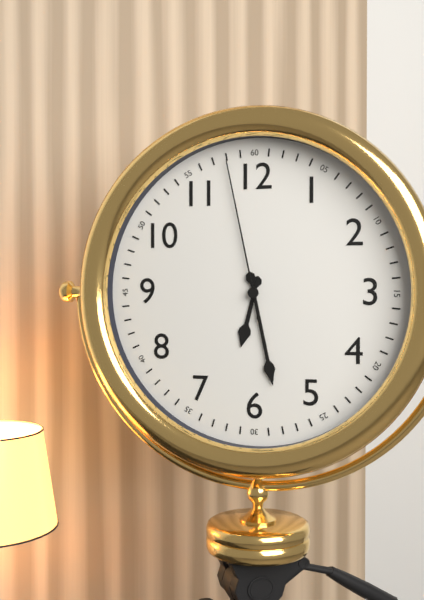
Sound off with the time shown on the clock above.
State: 6:28:58
